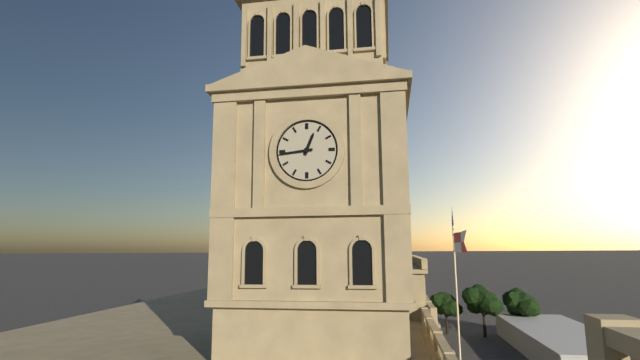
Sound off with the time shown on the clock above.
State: 12:44
